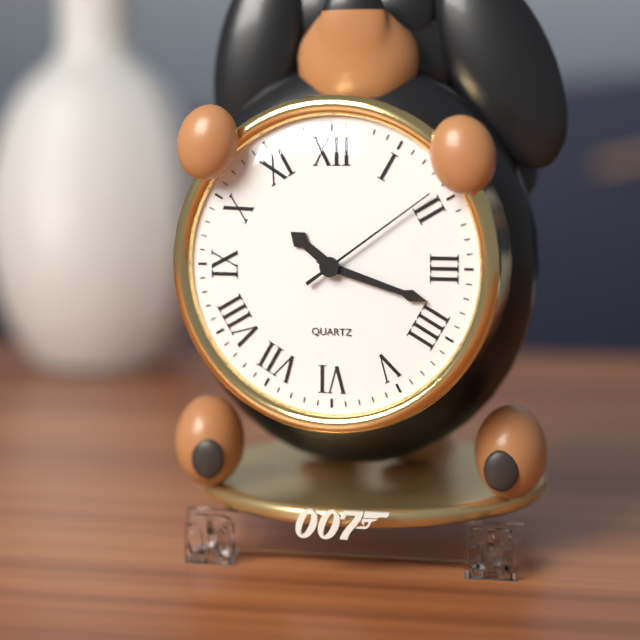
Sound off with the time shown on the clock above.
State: 10:18:09
